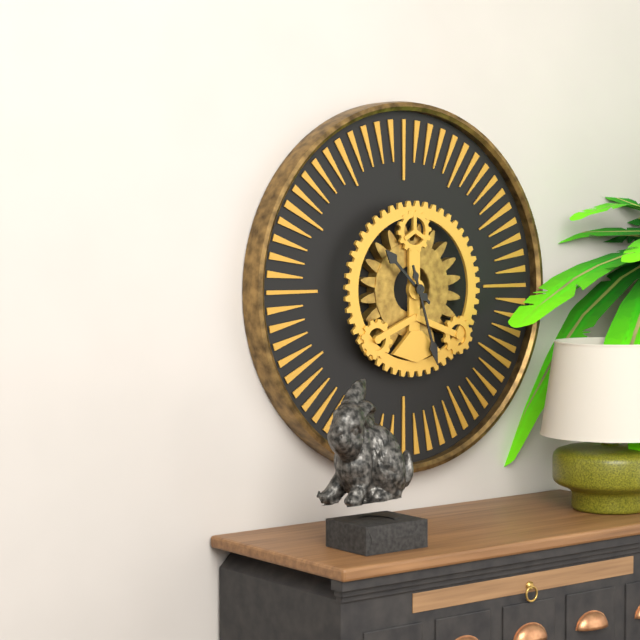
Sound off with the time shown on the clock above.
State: 10:27
